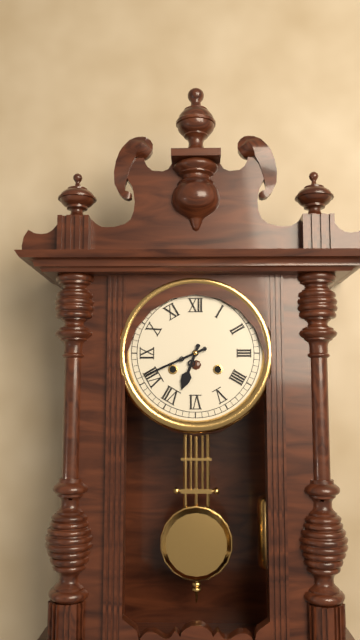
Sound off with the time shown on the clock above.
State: 6:41
